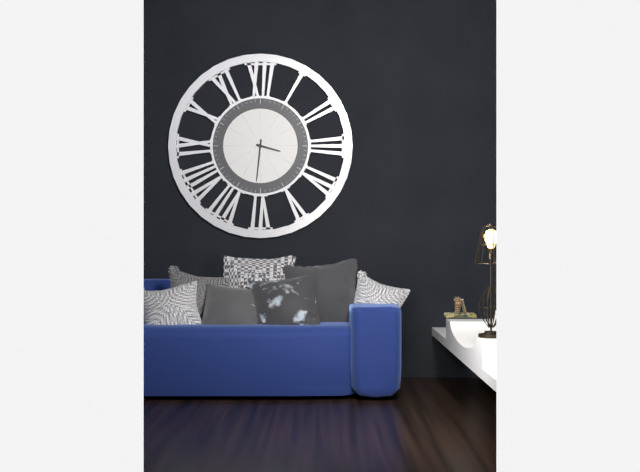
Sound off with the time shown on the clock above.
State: 3:31
